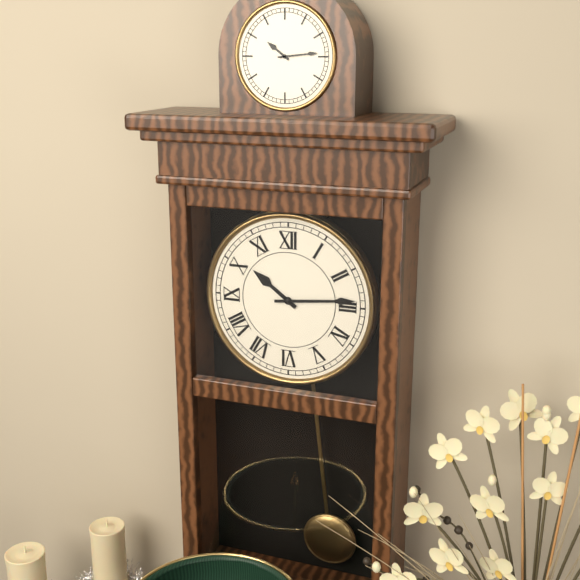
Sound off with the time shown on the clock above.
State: 10:14
